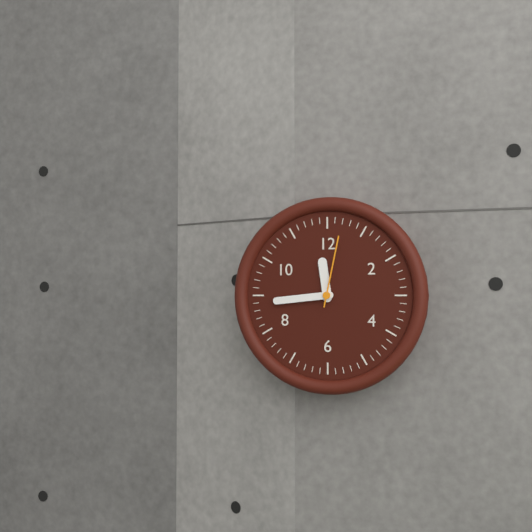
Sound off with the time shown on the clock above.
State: 11:44:02
